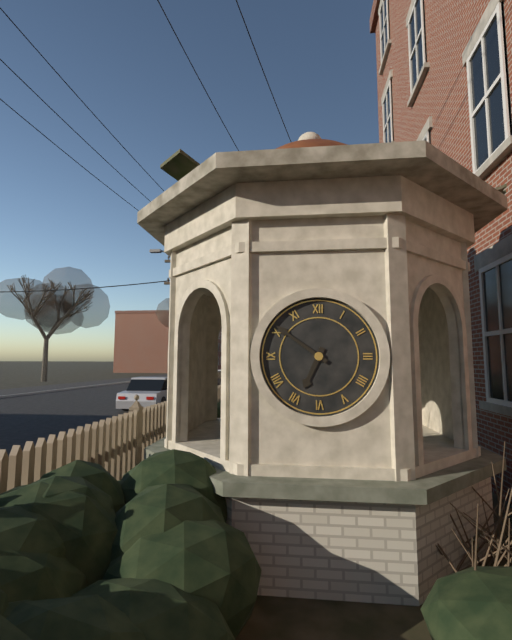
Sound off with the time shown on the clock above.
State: 6:51
